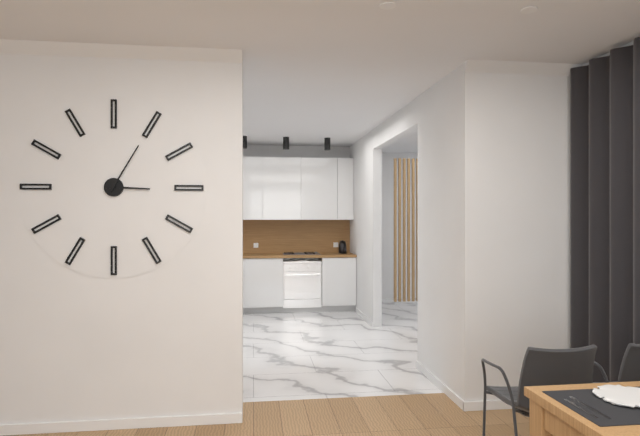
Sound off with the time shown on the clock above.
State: 3:05
